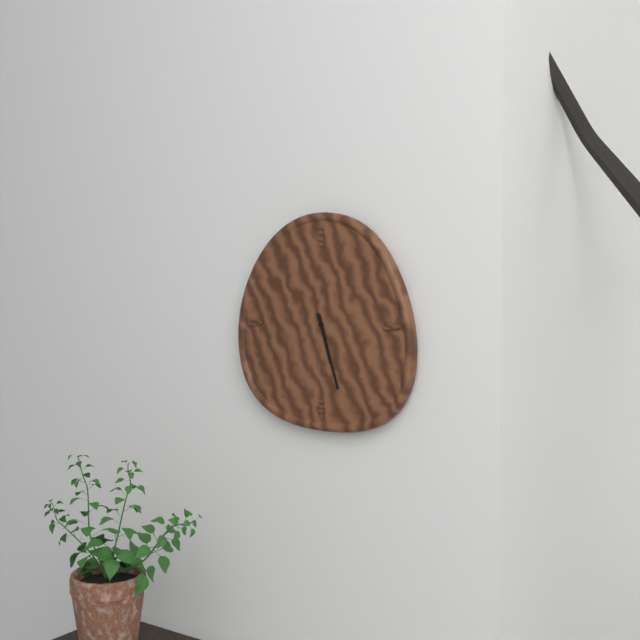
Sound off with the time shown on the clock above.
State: 5:27
